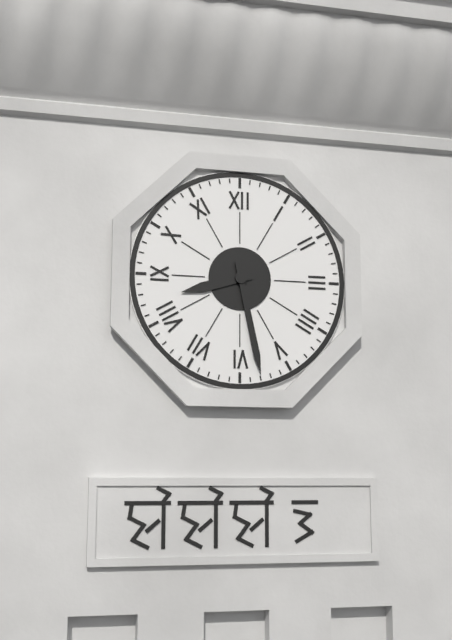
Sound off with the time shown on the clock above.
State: 8:28
